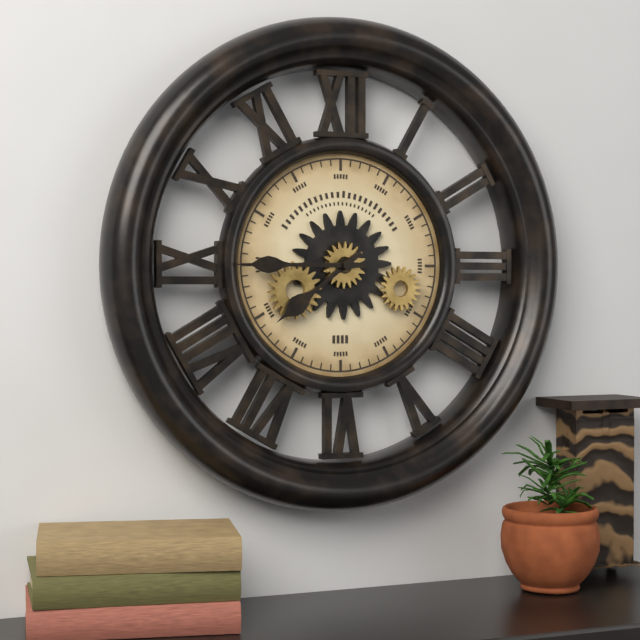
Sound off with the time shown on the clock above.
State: 7:45
